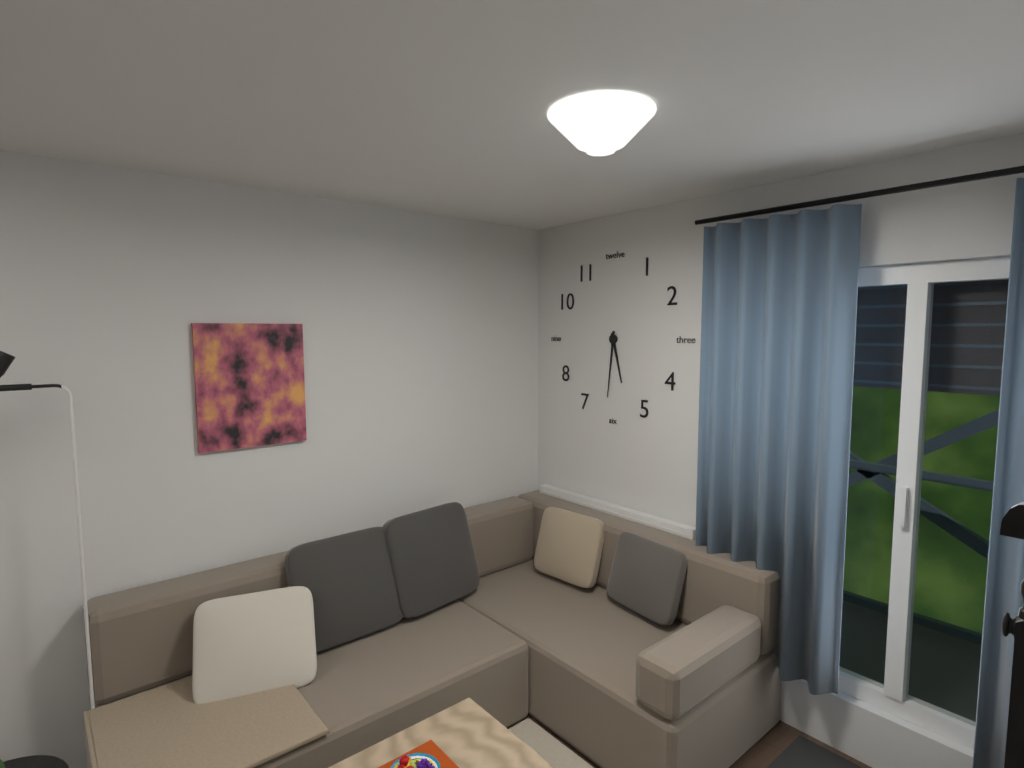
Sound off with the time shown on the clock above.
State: 5:31
